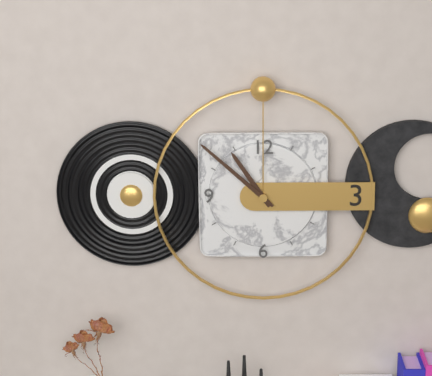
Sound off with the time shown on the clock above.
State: 10:52
